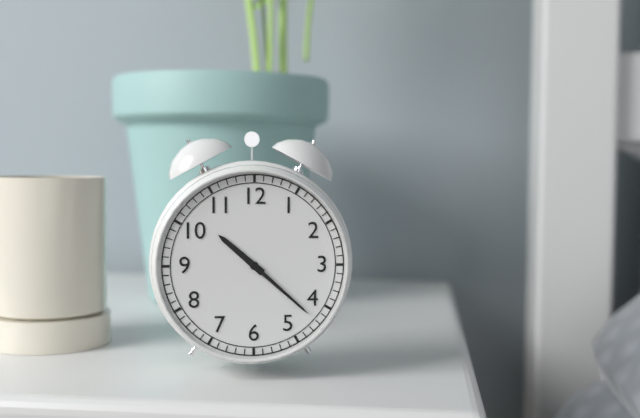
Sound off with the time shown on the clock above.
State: 10:22
